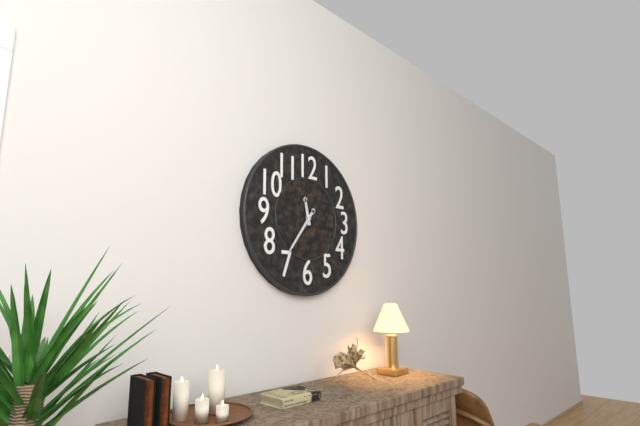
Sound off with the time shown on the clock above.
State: 11:36
